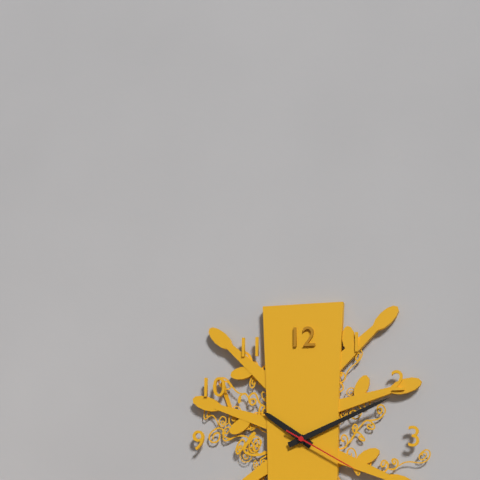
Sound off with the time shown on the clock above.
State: 10:11:20
